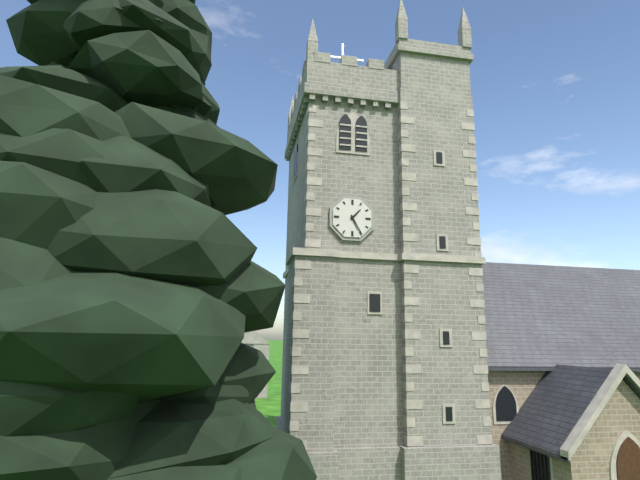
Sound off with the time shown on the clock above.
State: 1:25
